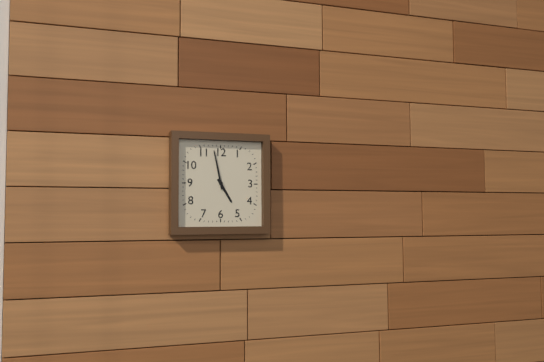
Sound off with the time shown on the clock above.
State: 4:58
